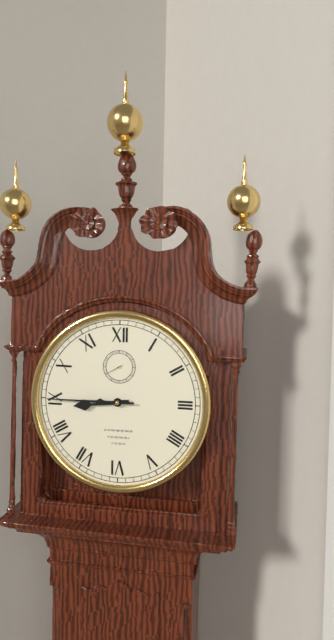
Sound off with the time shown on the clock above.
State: 8:45
